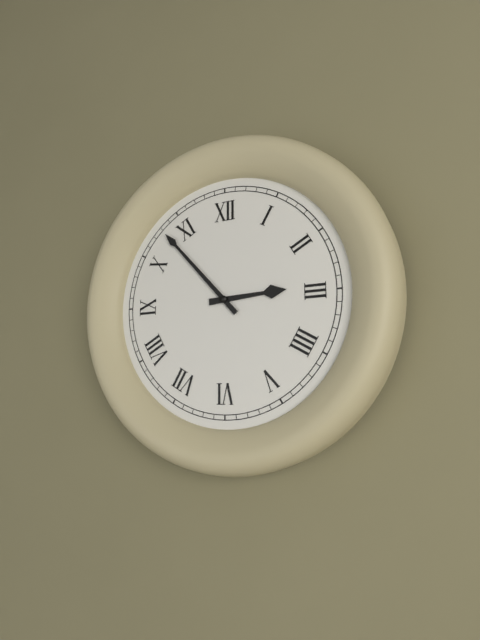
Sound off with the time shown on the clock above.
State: 2:53
